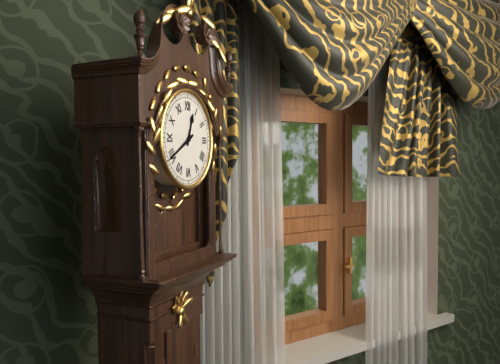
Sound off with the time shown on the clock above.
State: 12:40
